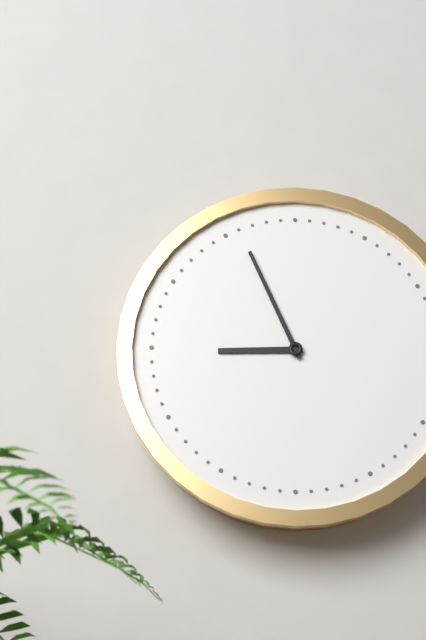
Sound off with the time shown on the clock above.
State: 8:56
